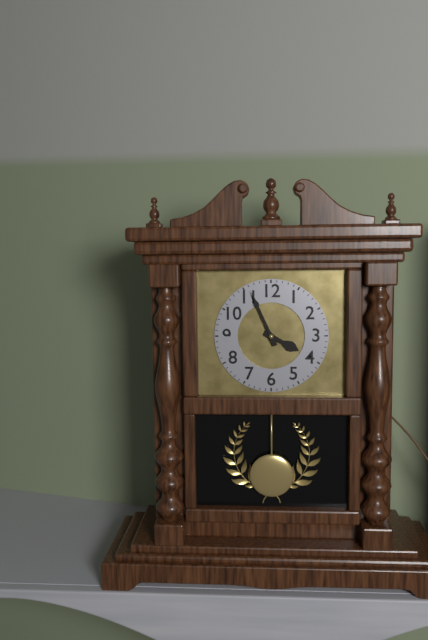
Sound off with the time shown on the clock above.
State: 3:56
